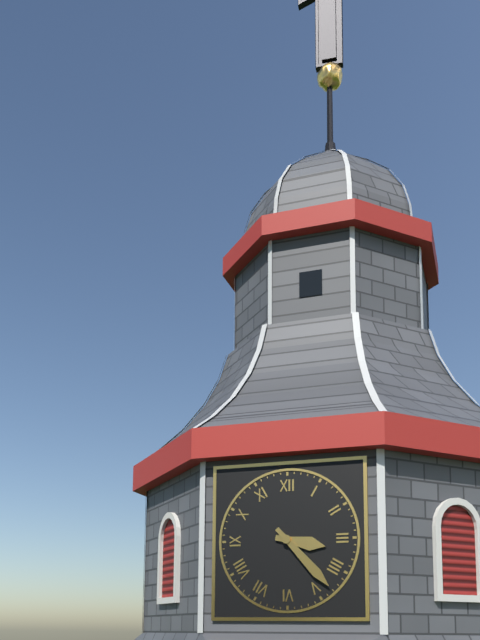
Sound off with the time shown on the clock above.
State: 3:23
